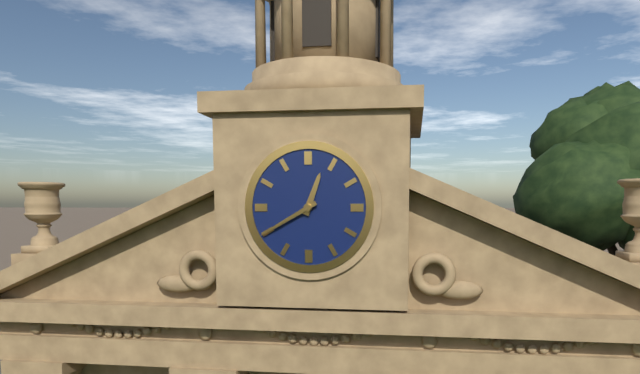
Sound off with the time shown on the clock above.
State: 12:40
